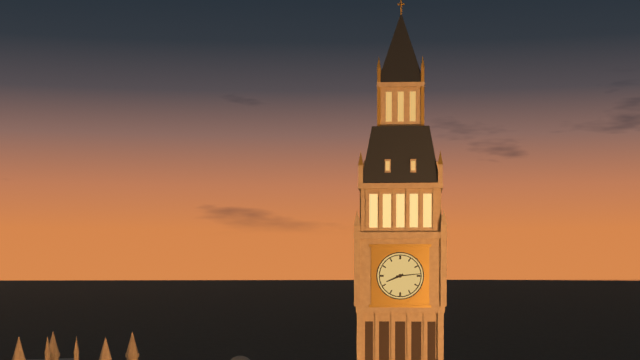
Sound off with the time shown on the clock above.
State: 8:14
